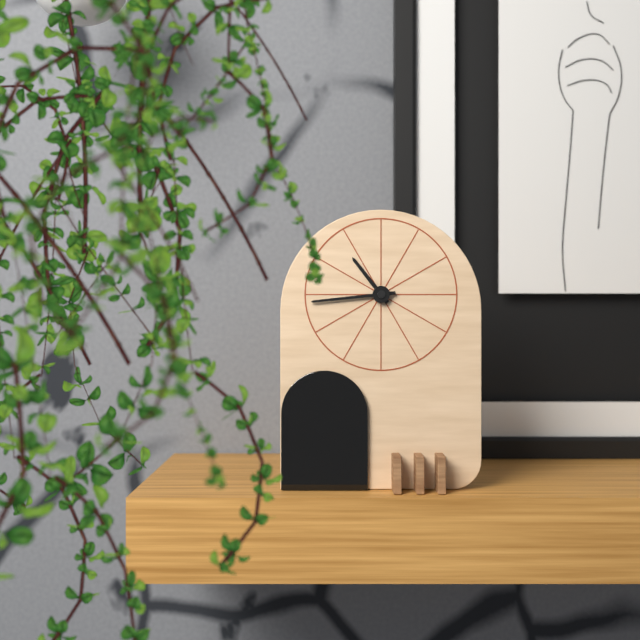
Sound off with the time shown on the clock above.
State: 10:44
